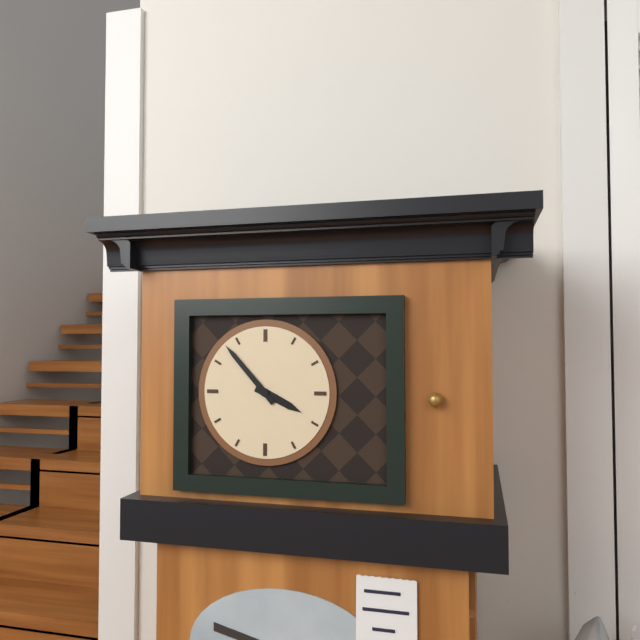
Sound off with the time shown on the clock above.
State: 3:53
